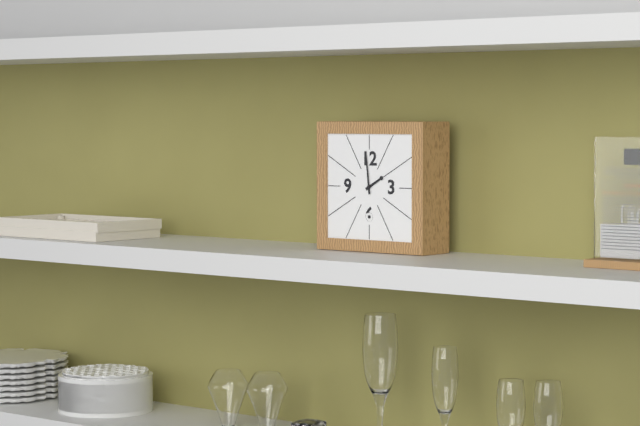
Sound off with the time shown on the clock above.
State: 1:59
